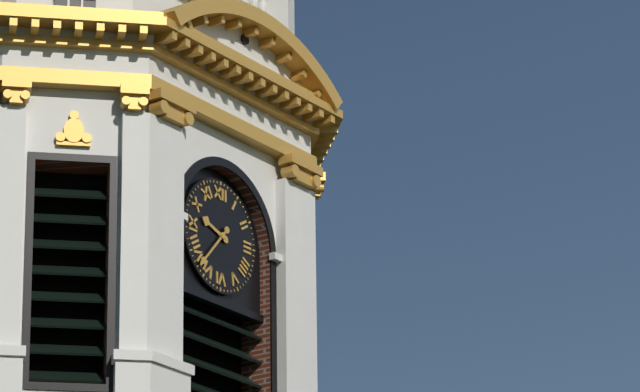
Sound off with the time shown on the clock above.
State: 9:37
